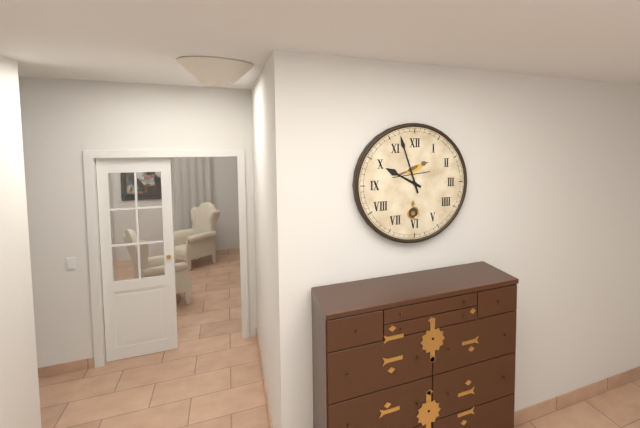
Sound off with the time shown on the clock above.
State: 9:57
